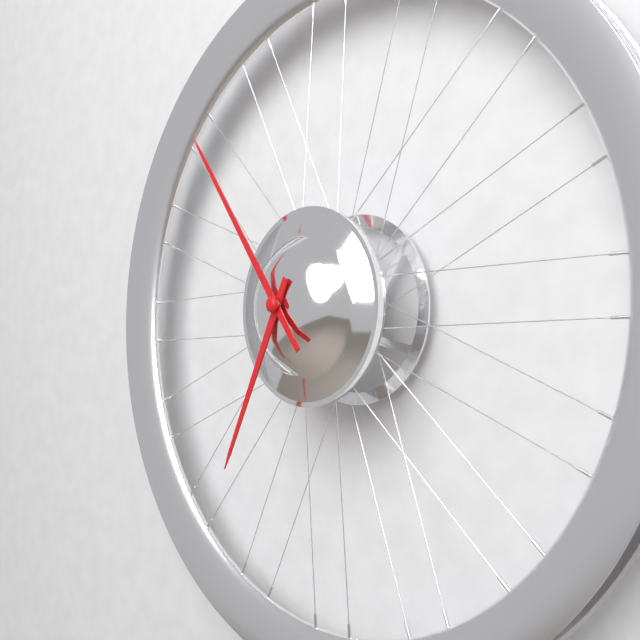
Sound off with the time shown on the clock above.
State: 6:54
